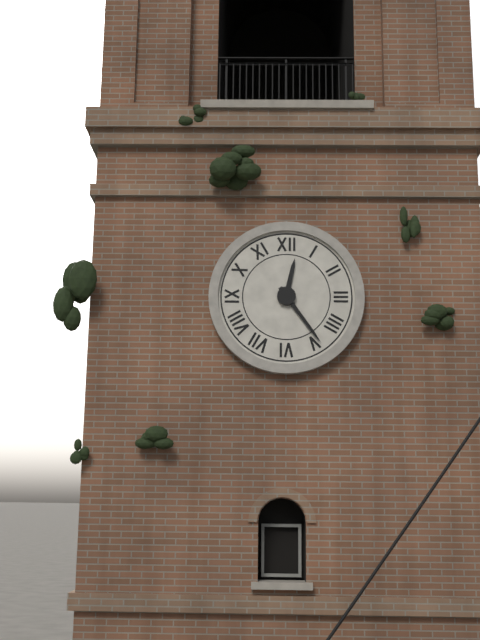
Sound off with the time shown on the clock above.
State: 12:24
